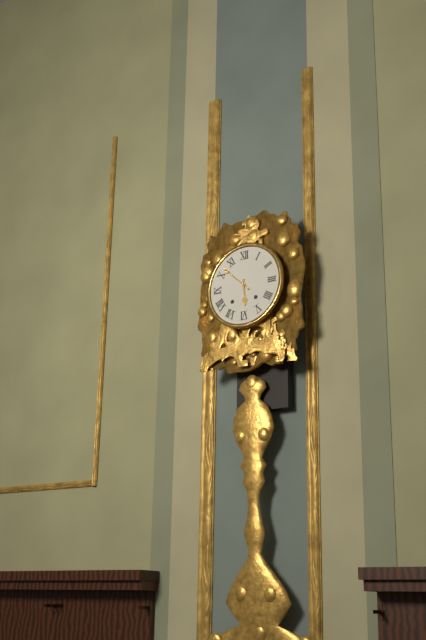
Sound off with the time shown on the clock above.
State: 5:52
